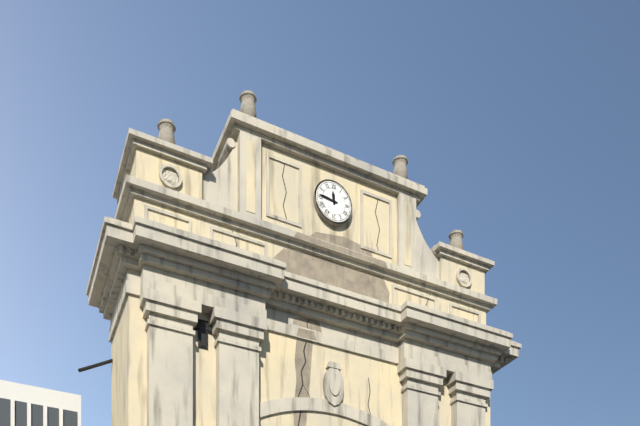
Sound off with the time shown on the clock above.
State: 11:46
